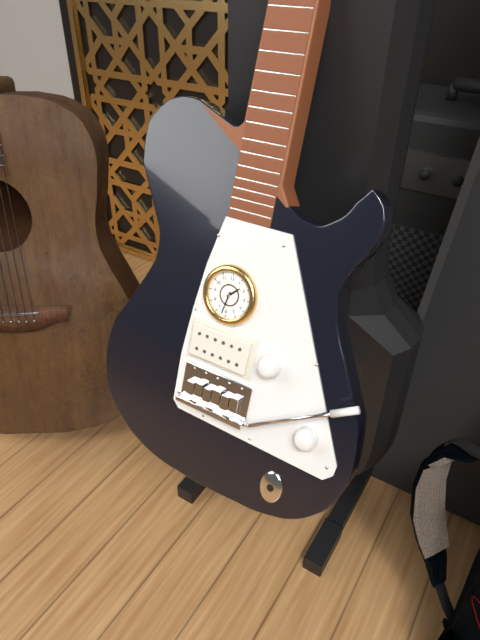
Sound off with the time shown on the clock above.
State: 1:32
